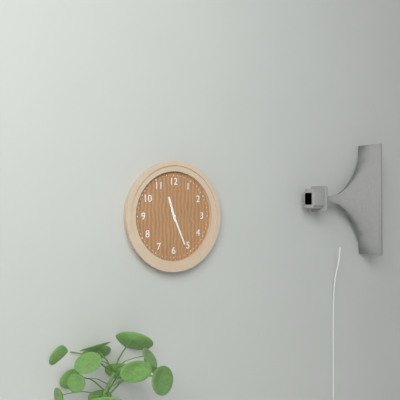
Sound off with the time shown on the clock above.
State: 11:26
